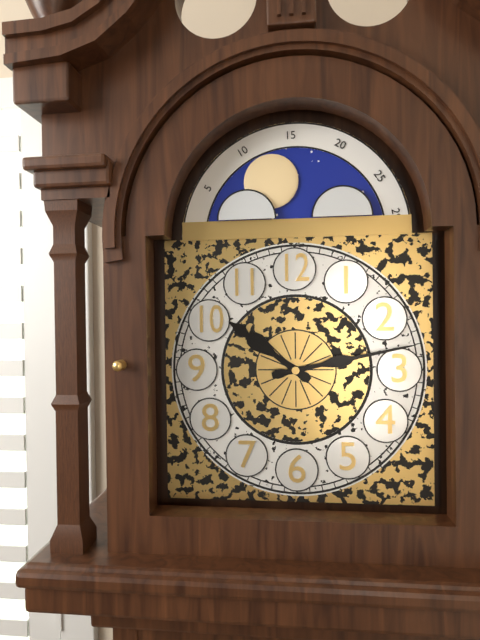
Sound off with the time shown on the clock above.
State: 10:13
